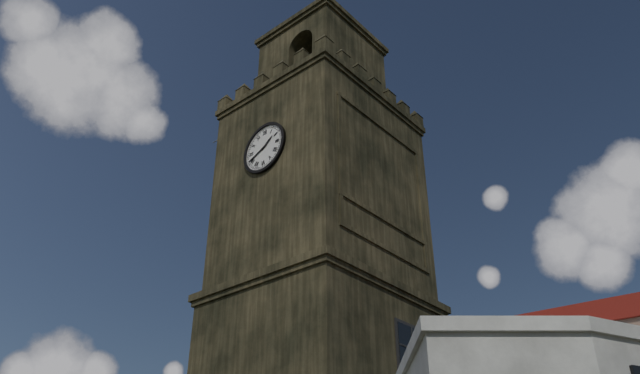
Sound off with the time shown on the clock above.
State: 1:41
